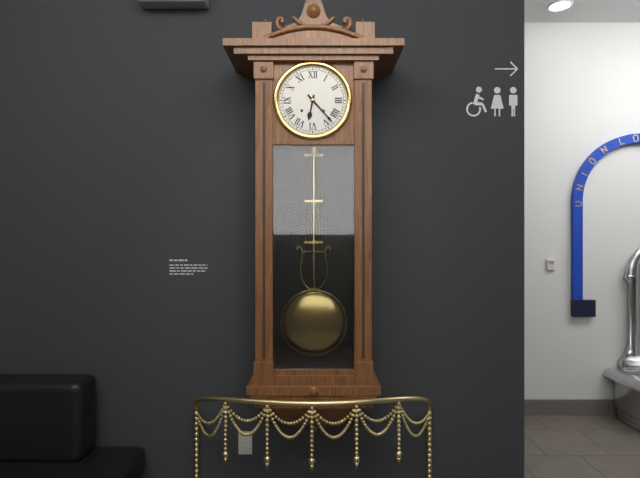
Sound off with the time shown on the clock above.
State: 6:23
